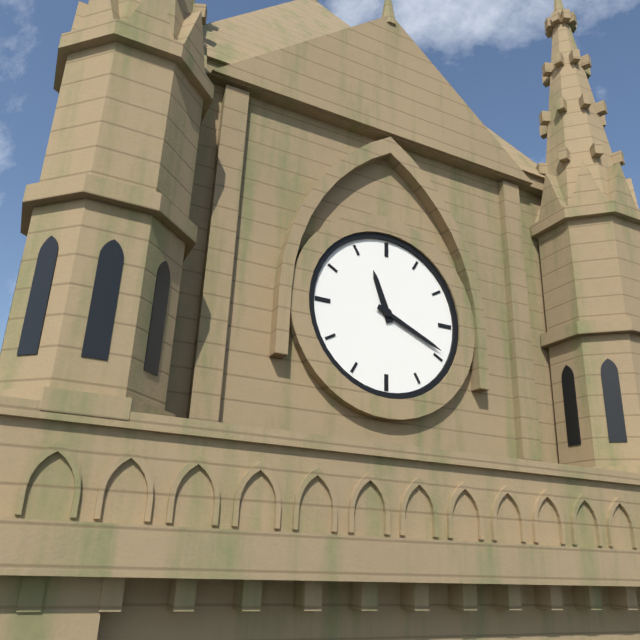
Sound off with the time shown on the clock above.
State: 11:19
